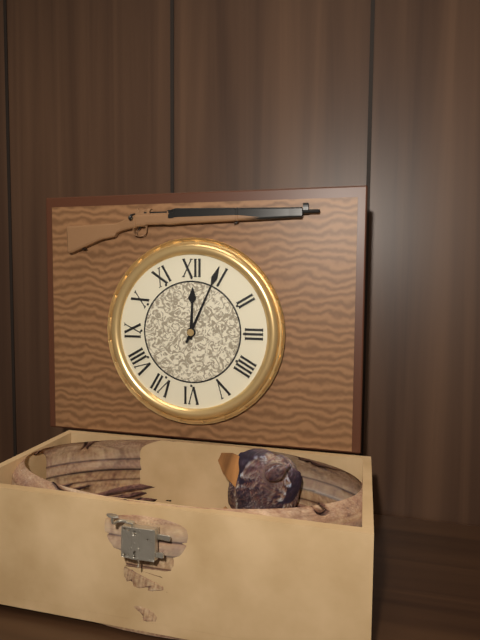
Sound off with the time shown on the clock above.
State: 12:04
